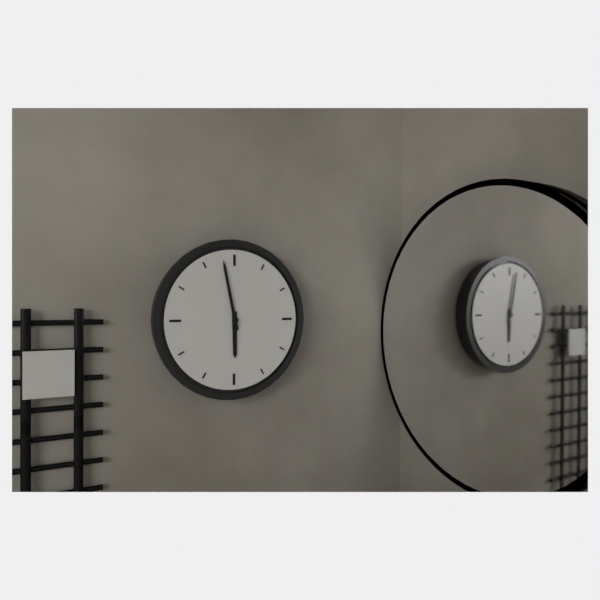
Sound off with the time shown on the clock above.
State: 5:58
